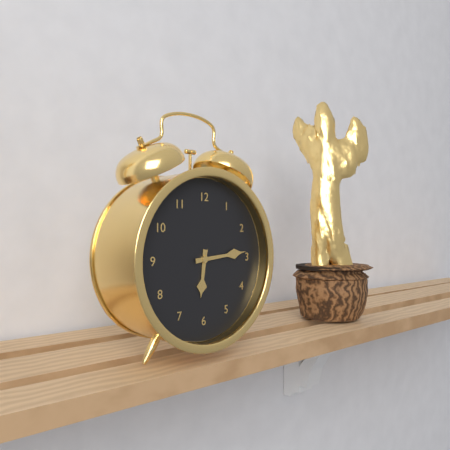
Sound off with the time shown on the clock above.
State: 6:14
